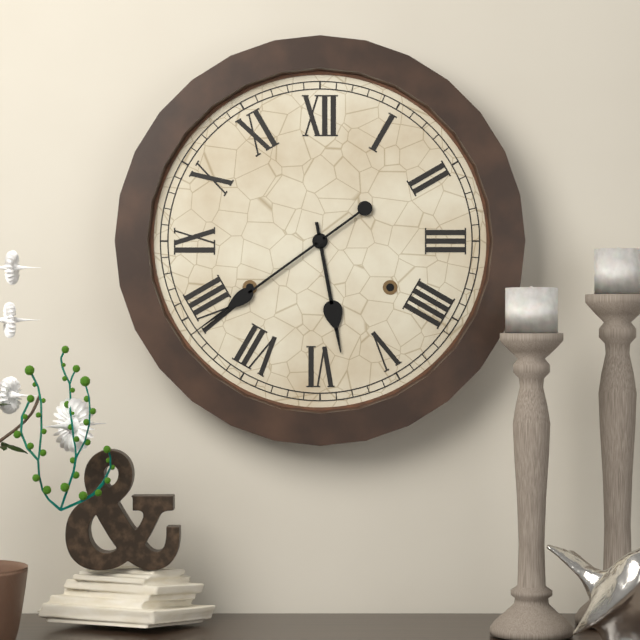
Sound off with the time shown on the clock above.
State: 5:39
